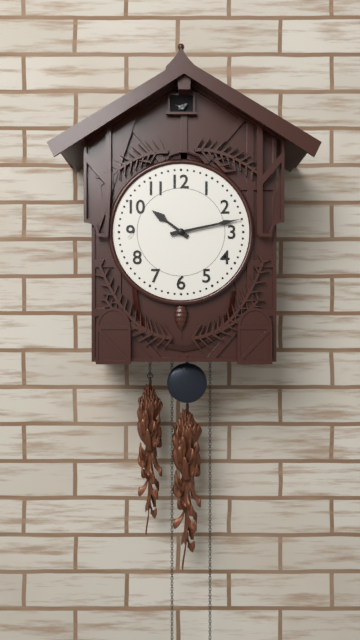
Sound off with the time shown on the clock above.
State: 10:13
